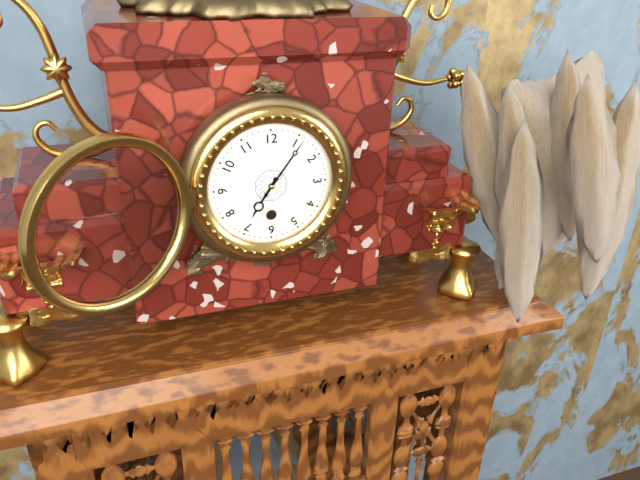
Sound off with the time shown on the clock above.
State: 7:06
